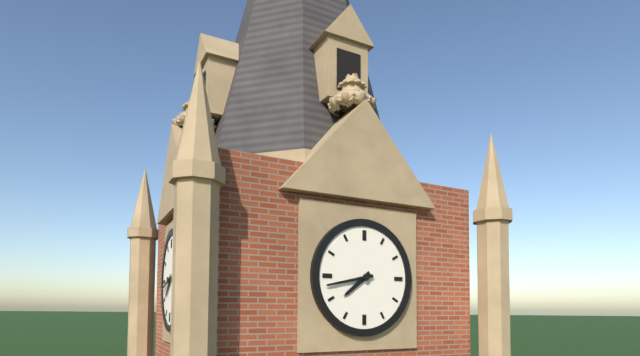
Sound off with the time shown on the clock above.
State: 7:43
